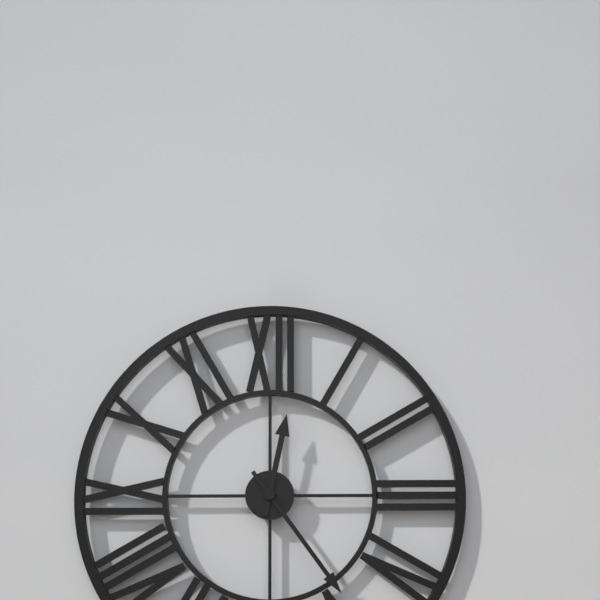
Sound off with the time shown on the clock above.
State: 12:24
